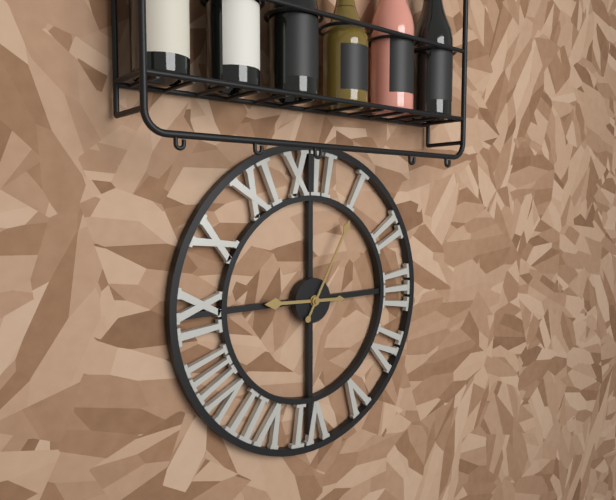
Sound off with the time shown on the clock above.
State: 9:05
